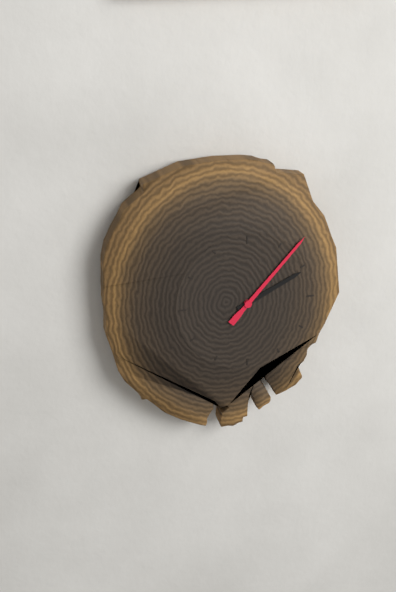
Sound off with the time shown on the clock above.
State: 2:07
